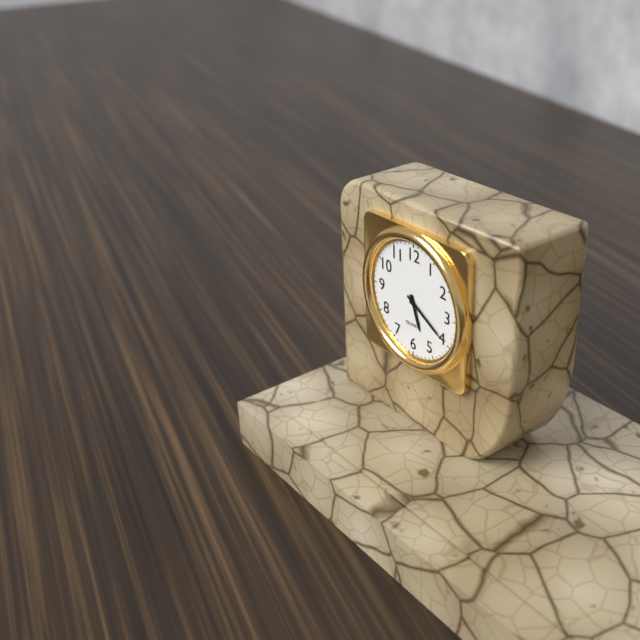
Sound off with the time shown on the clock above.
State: 5:20
